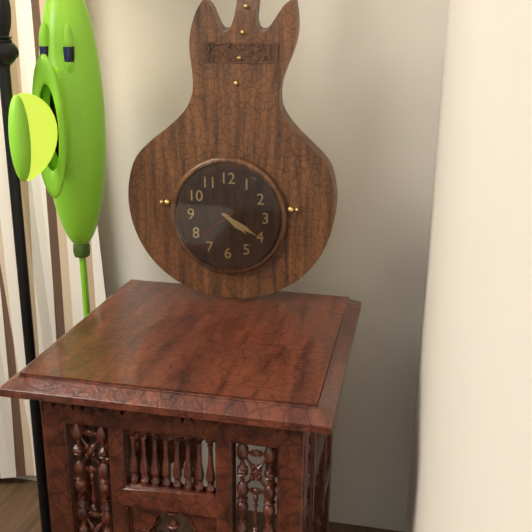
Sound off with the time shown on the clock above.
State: 4:20
